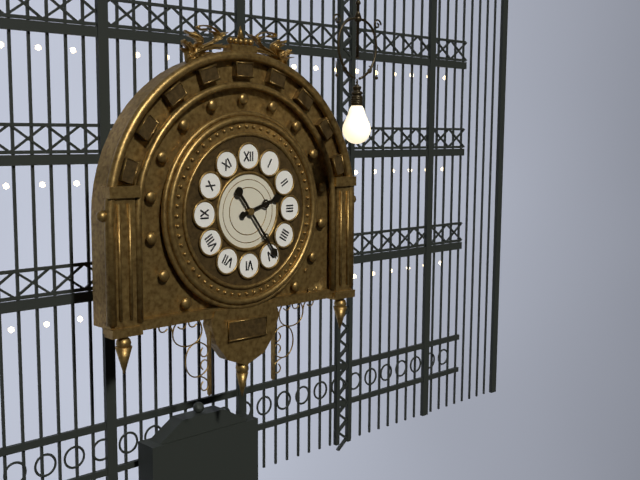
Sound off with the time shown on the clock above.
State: 2:24
